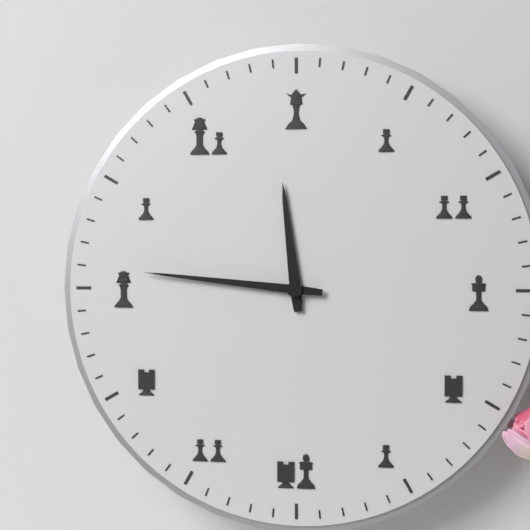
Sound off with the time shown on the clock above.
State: 11:46
